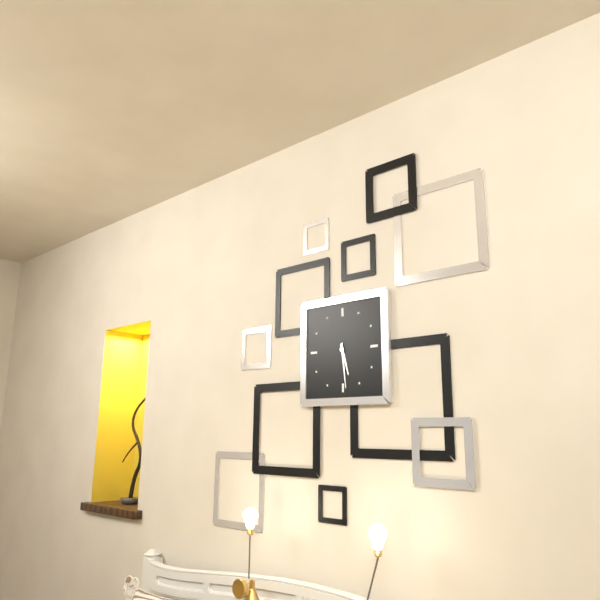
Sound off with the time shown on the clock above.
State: 5:29
